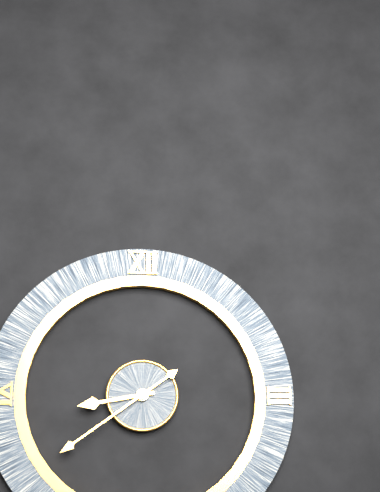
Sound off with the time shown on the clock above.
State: 8:39
